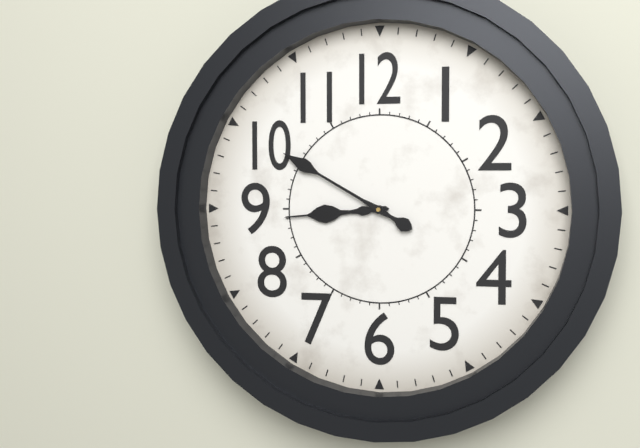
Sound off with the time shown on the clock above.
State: 8:50
